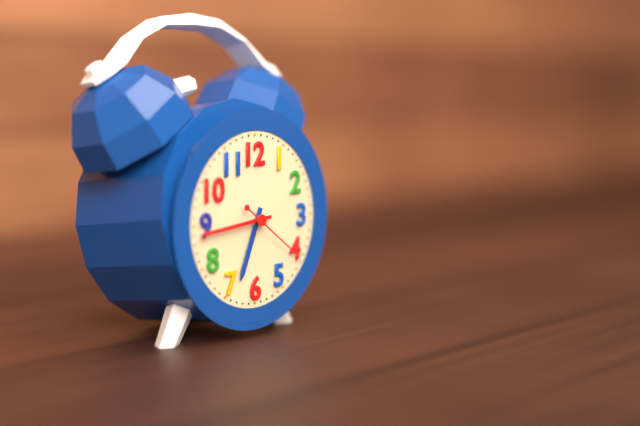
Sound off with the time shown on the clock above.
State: 6:44:21
